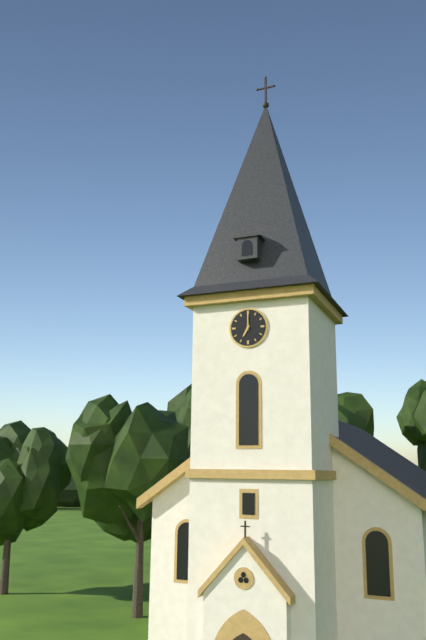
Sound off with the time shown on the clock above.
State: 7:00
